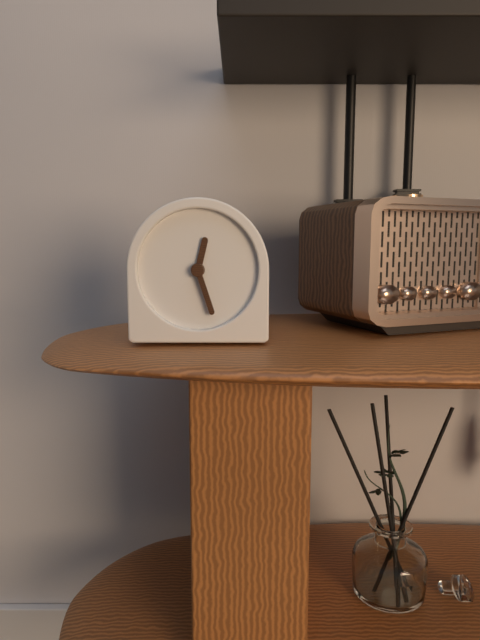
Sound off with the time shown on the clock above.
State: 12:27
